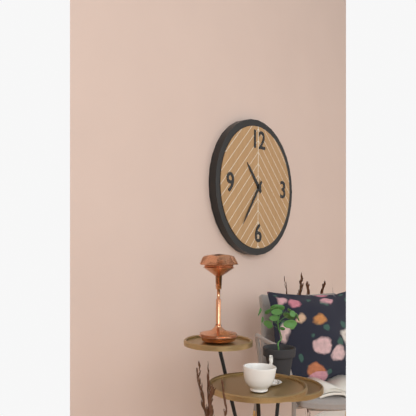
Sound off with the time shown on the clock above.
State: 10:36
